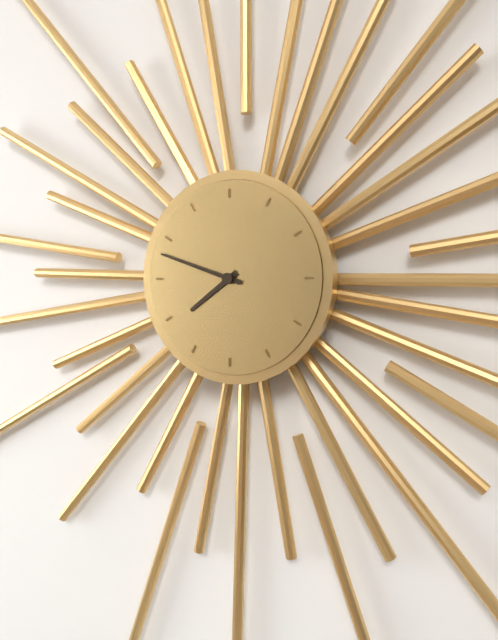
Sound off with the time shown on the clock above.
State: 7:48
